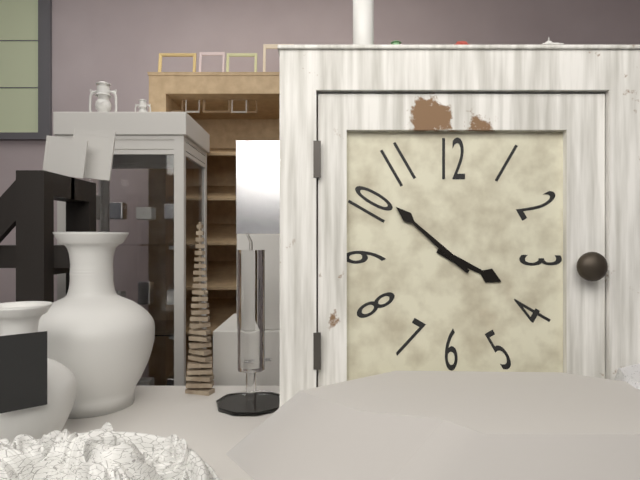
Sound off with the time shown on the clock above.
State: 3:52
